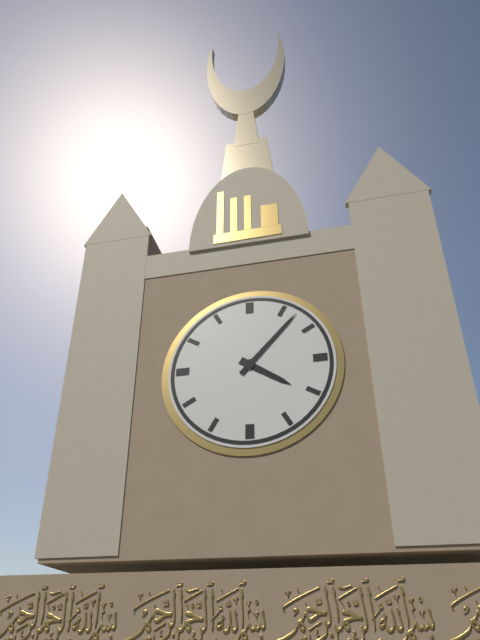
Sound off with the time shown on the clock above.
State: 4:07
